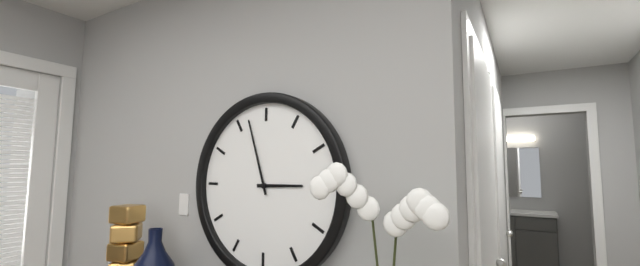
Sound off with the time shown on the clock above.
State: 2:57
